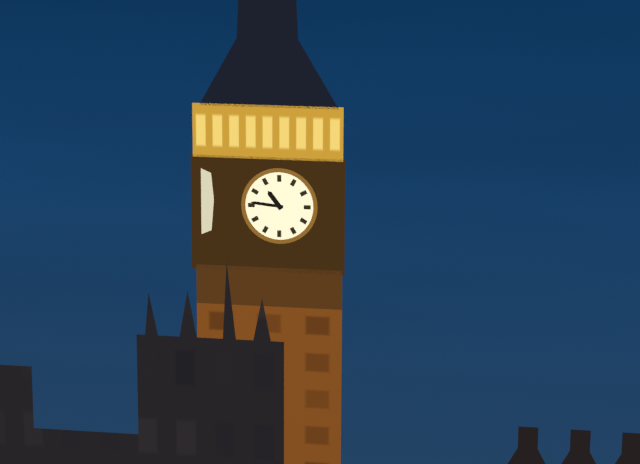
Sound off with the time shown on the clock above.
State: 10:46
